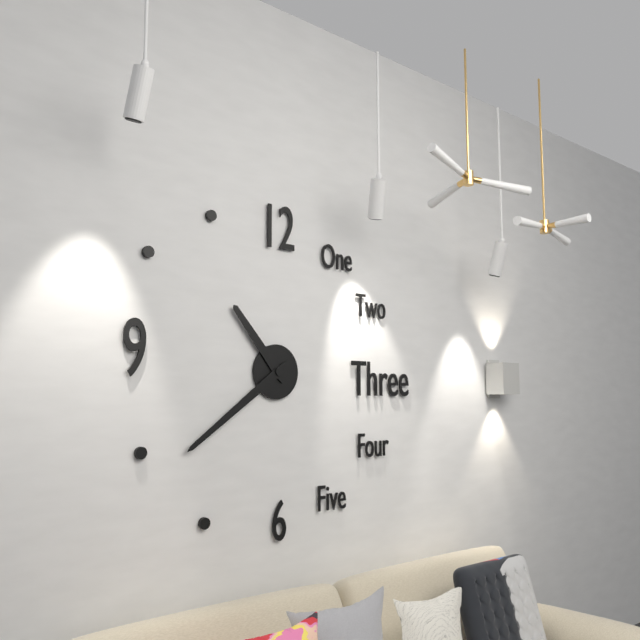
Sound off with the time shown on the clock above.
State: 10:39
